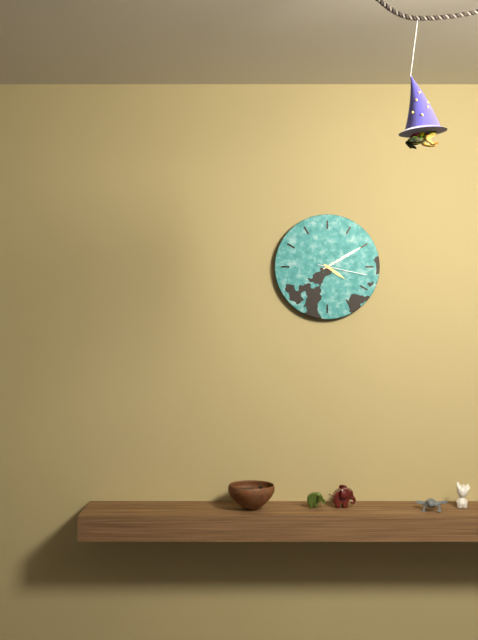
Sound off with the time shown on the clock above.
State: 4:10:17
